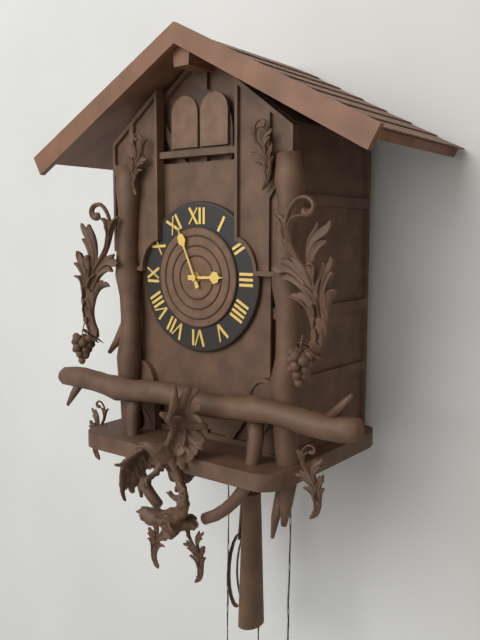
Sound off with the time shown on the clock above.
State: 2:56
